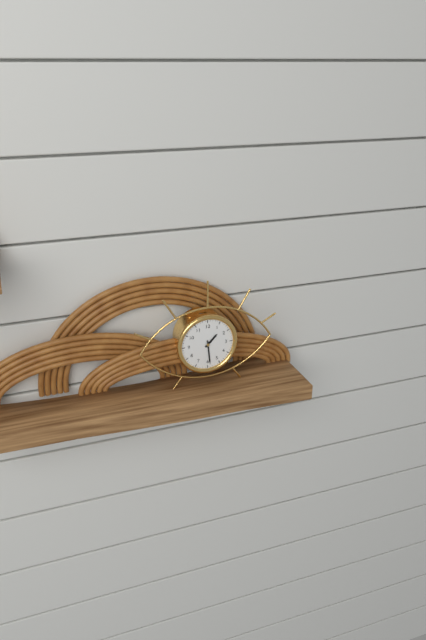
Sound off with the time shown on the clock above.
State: 1:29
